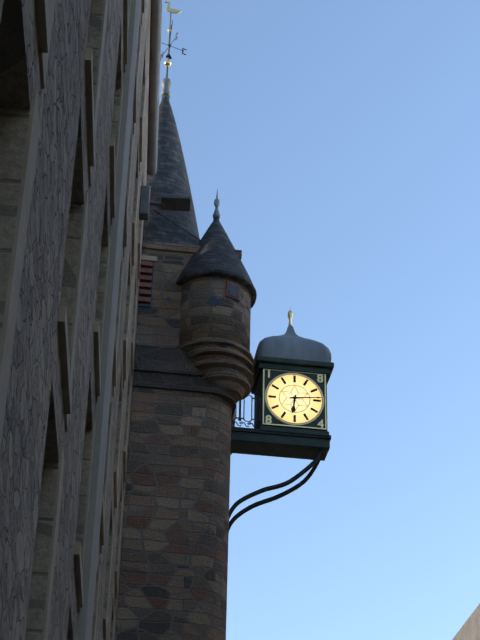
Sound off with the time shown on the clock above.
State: 6:14
